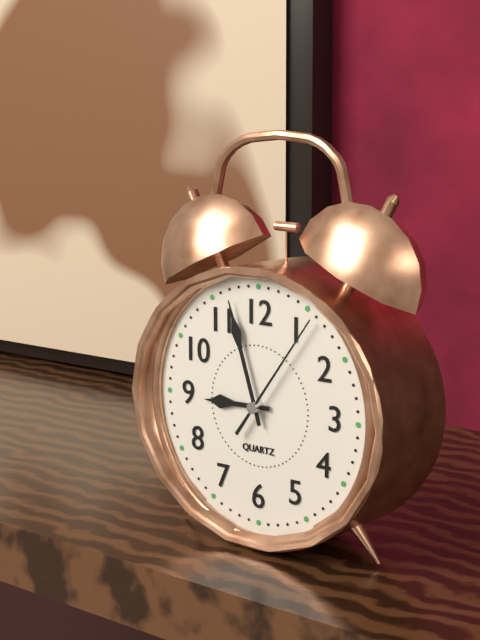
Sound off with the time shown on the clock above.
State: 8:57:06
